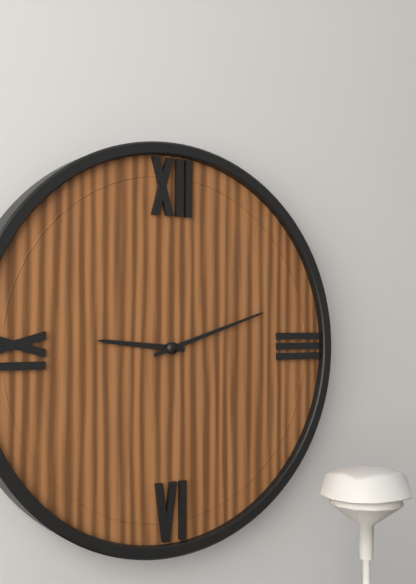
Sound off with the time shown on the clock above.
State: 9:12
